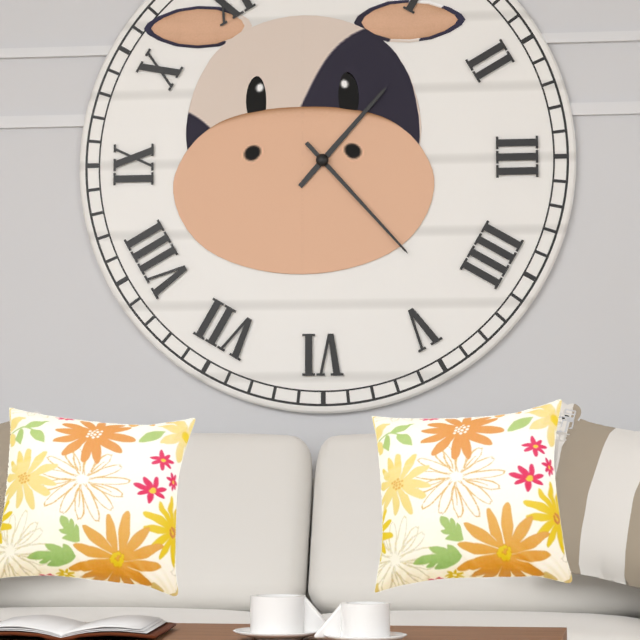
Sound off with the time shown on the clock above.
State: 1:23
